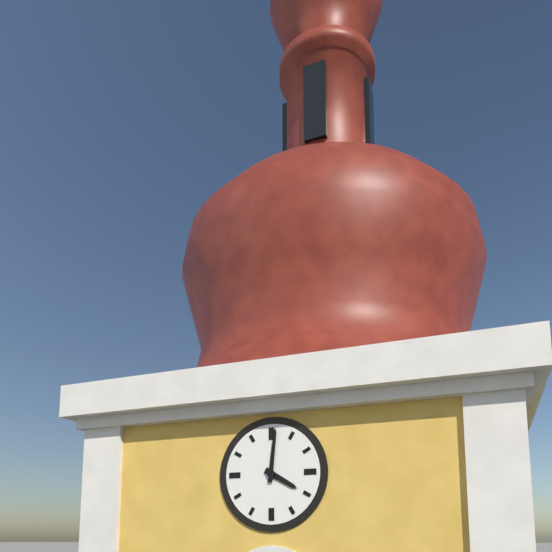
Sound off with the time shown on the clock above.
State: 4:01
